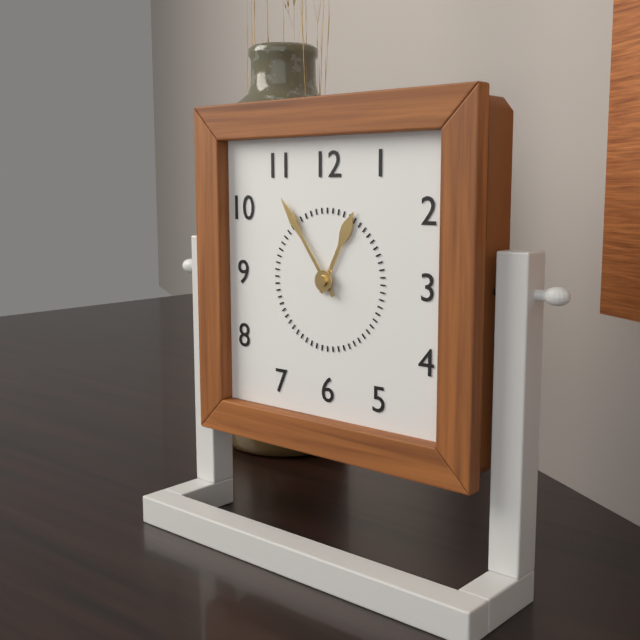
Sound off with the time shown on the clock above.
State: 12:54
